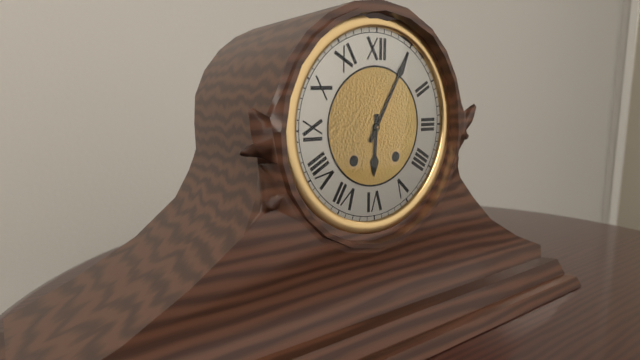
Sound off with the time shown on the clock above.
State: 6:05
